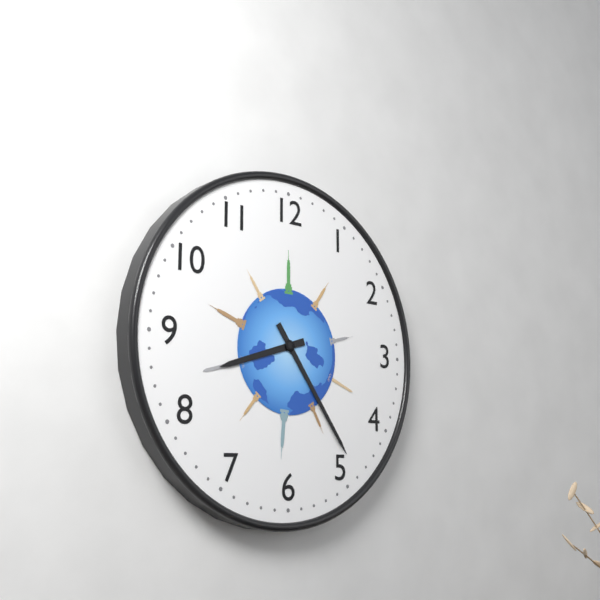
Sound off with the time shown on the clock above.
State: 8:24
